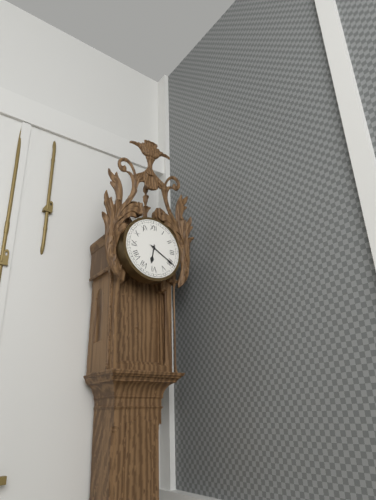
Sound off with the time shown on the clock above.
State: 6:20
